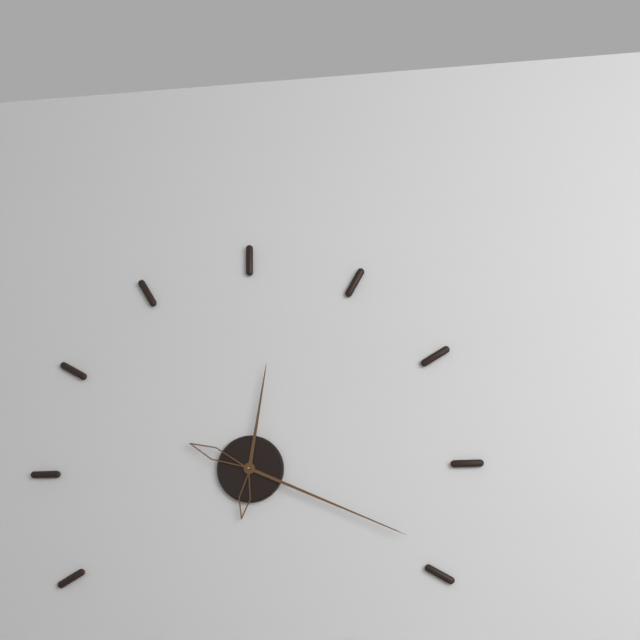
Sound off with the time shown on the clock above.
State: 12:19
